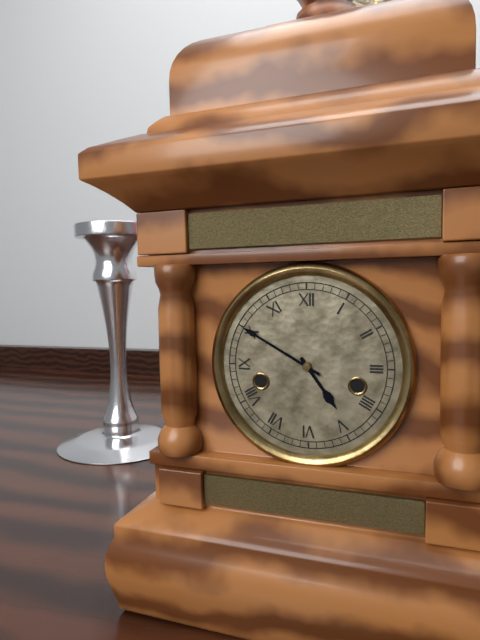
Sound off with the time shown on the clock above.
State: 4:50
